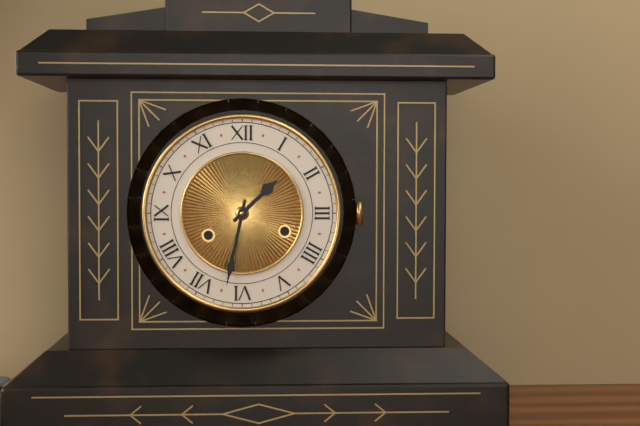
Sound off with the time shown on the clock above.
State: 1:32
